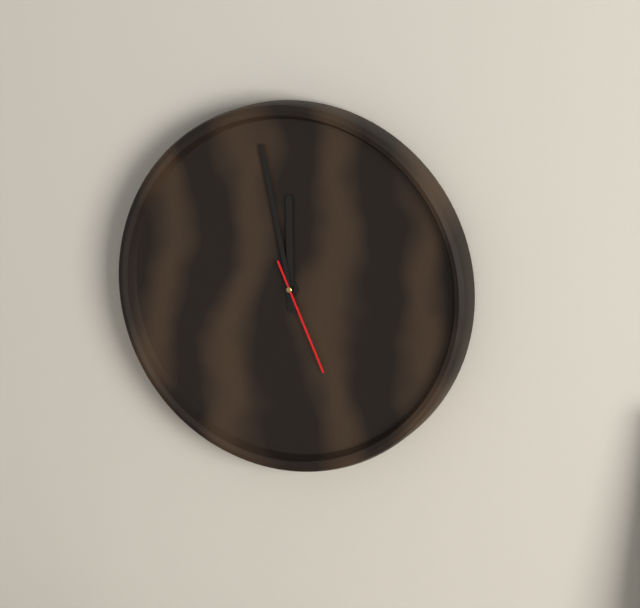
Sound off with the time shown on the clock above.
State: 11:58:26
